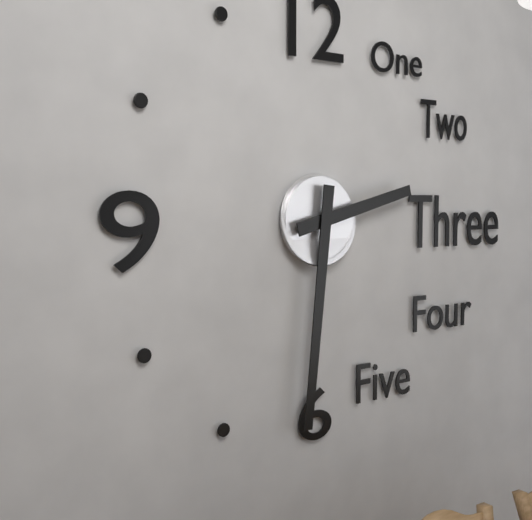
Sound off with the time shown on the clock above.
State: 2:31
